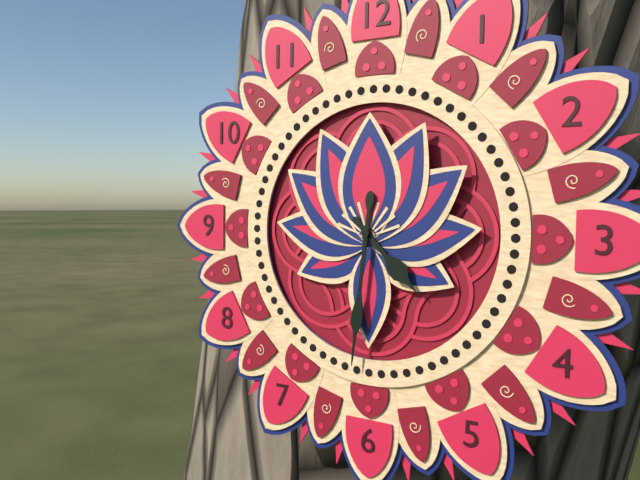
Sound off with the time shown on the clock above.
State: 4:31
